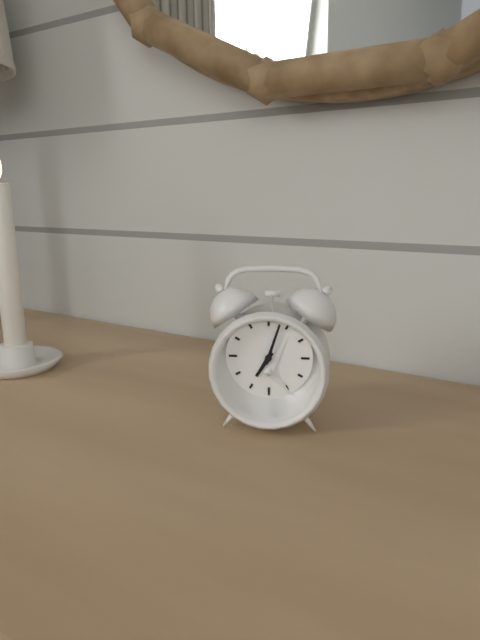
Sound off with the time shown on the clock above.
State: 7:03
